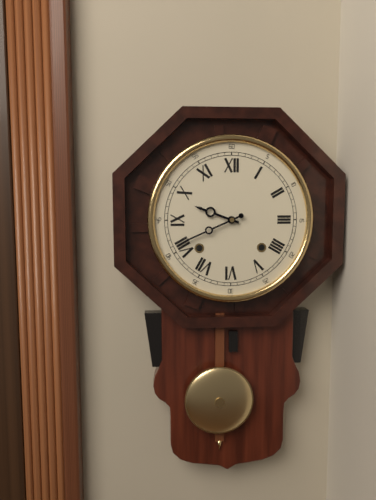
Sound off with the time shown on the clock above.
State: 9:41
